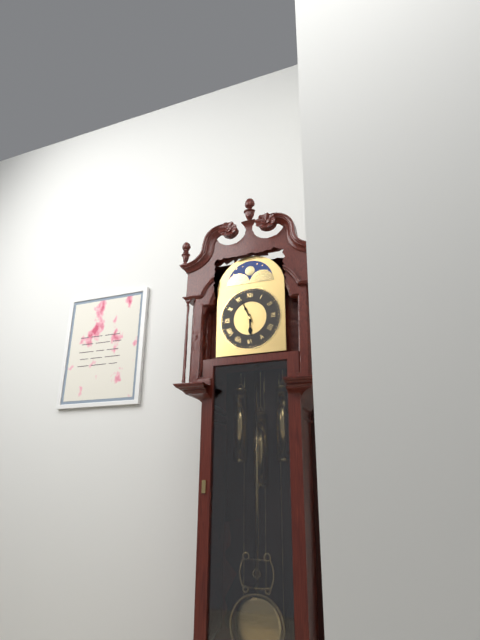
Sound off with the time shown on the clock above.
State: 5:56
